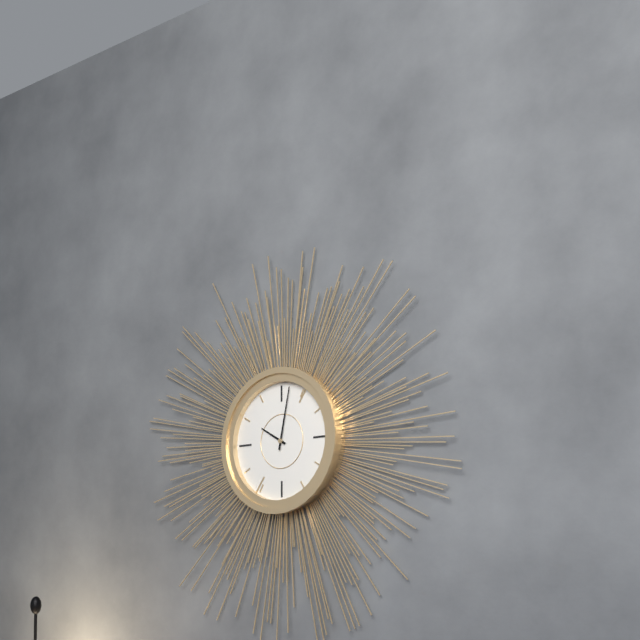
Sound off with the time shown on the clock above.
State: 10:02
